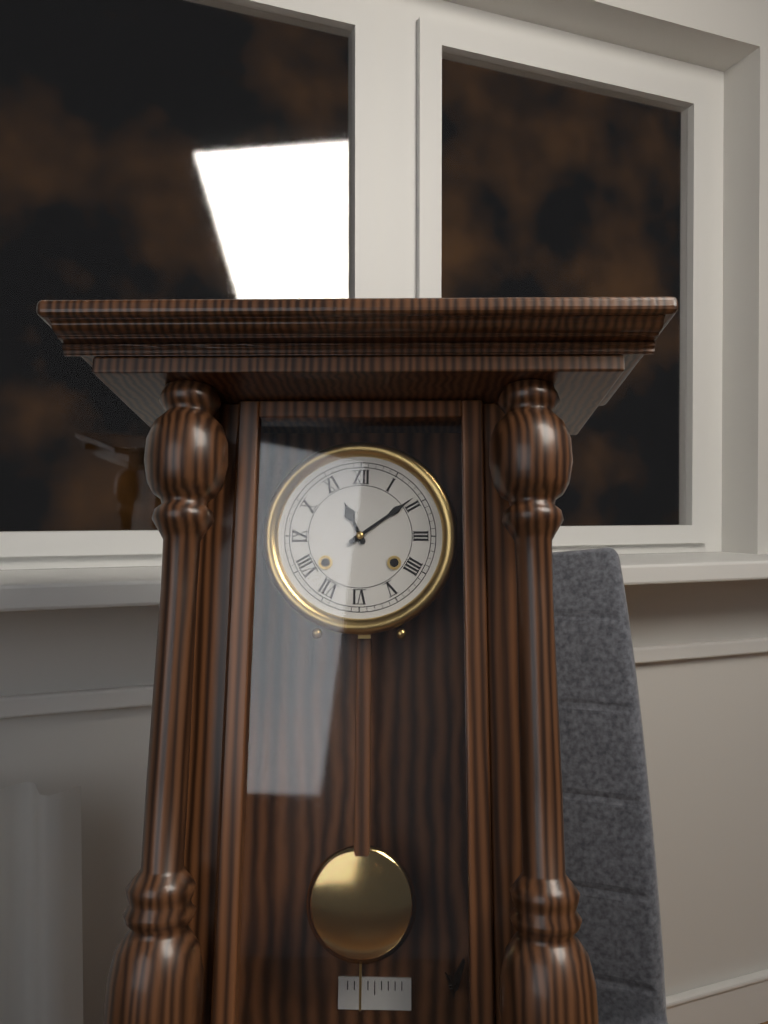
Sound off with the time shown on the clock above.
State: 11:09
